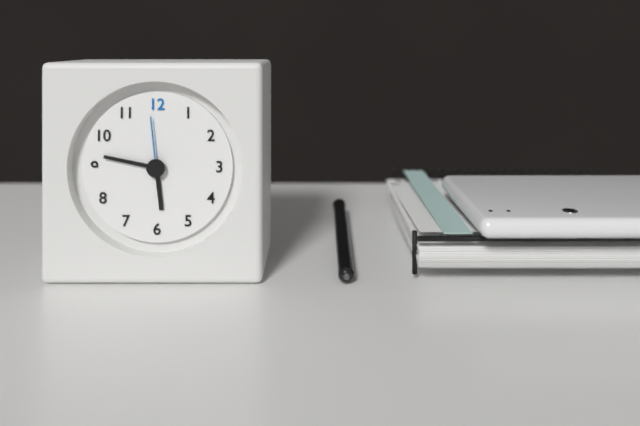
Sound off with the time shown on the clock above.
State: 5:47:59
